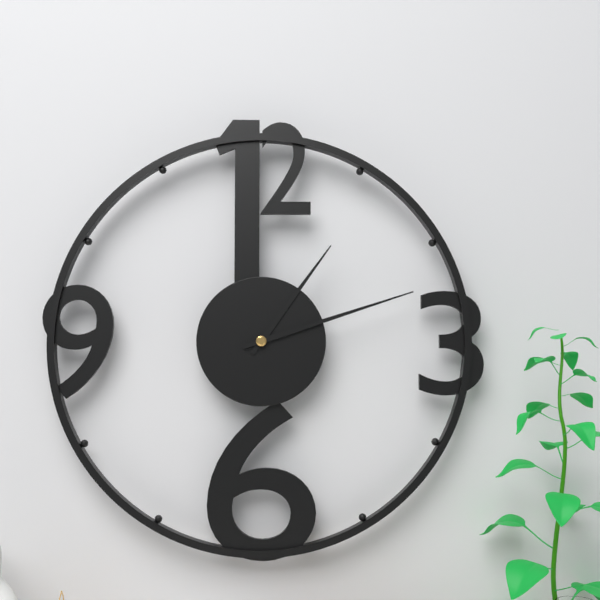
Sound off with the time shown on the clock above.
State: 1:12
